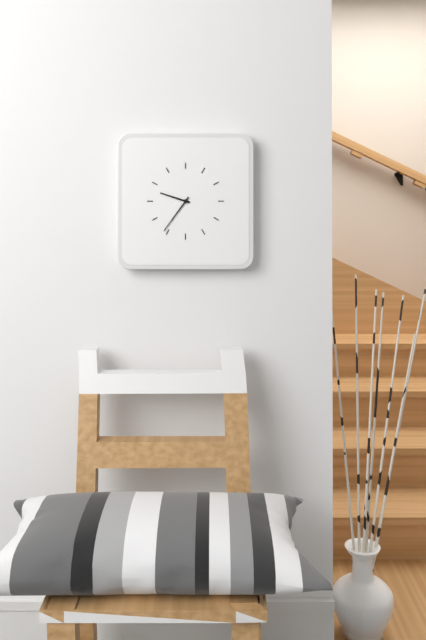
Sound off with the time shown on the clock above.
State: 9:36
